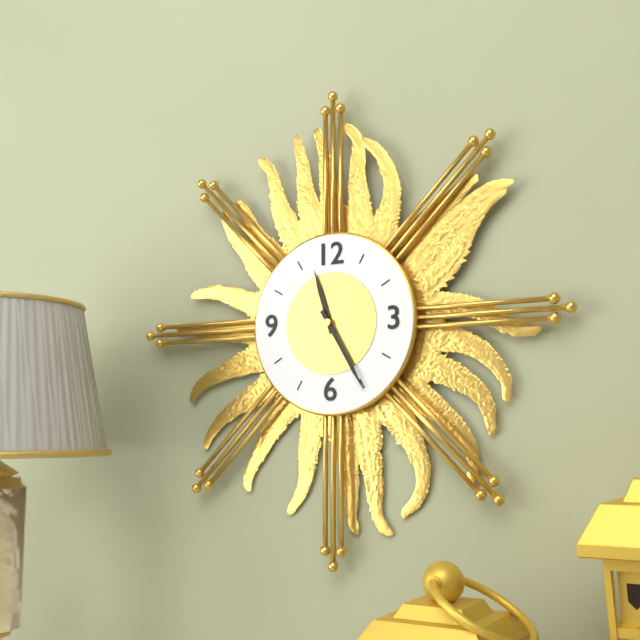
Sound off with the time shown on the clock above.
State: 11:25
